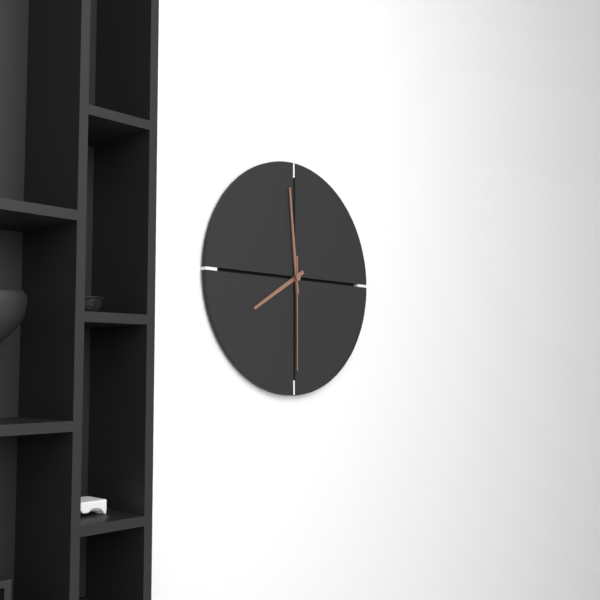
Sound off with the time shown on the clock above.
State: 7:59:30
